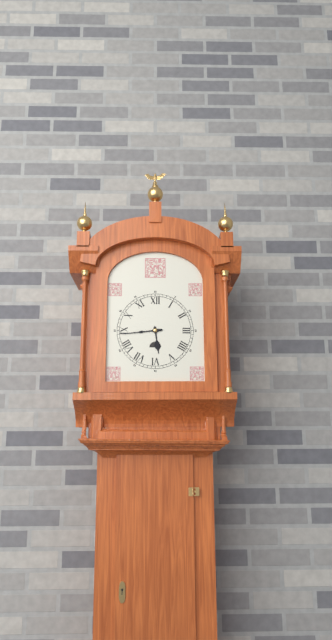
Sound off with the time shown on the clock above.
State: 5:44
